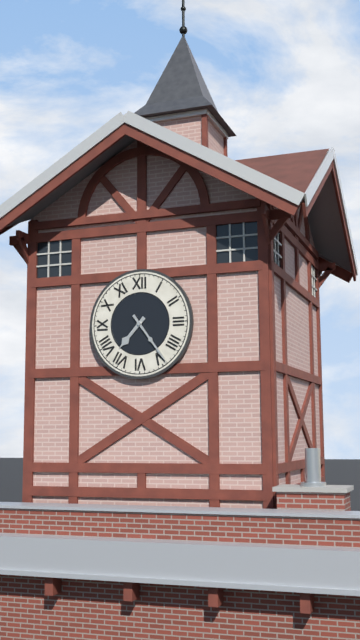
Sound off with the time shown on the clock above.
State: 7:24
